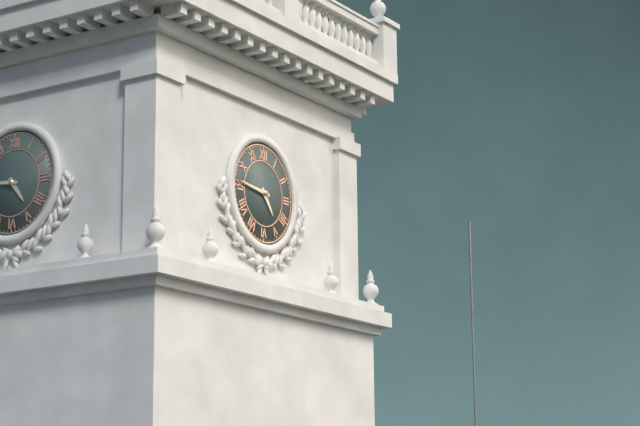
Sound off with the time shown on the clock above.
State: 4:46
